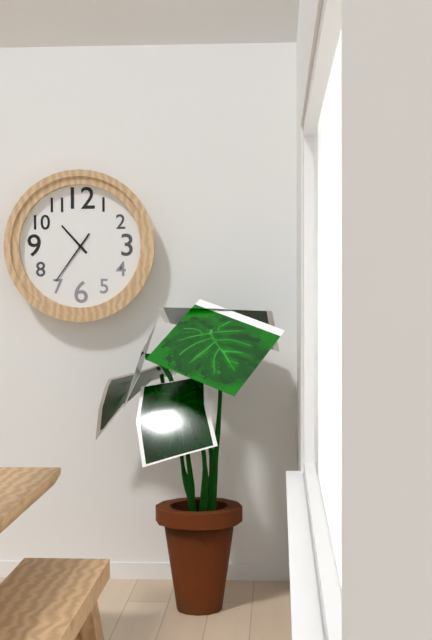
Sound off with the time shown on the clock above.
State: 10:36
